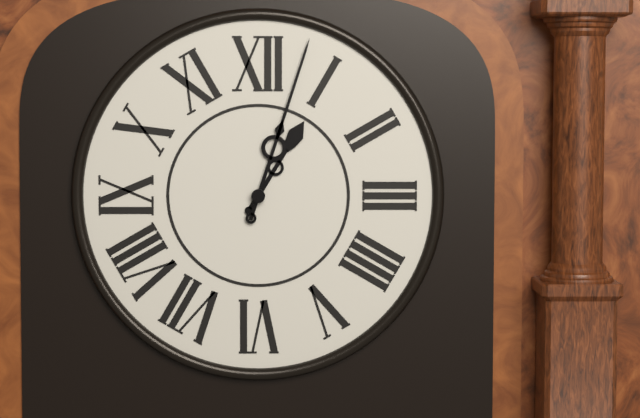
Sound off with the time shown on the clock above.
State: 1:03
